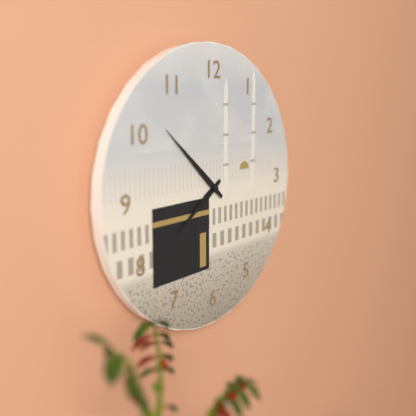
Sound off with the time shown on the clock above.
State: 7:52
